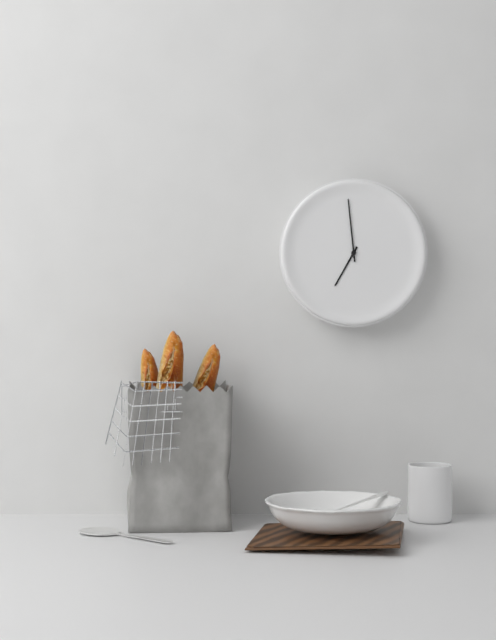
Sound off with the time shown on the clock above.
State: 6:59
